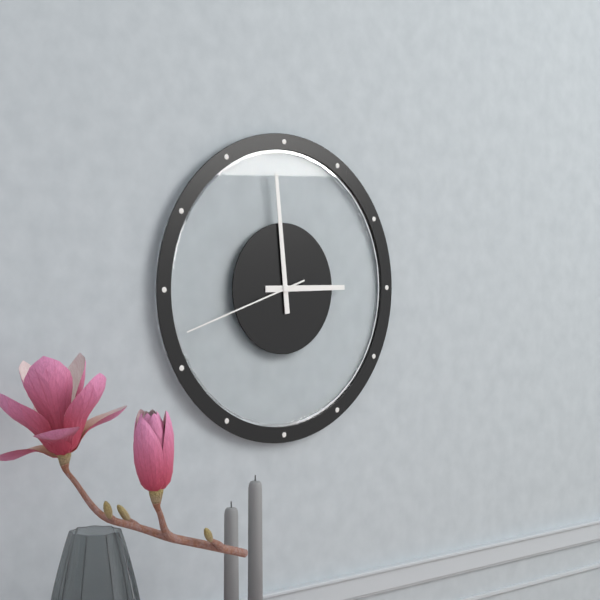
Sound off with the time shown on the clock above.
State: 2:59:42
